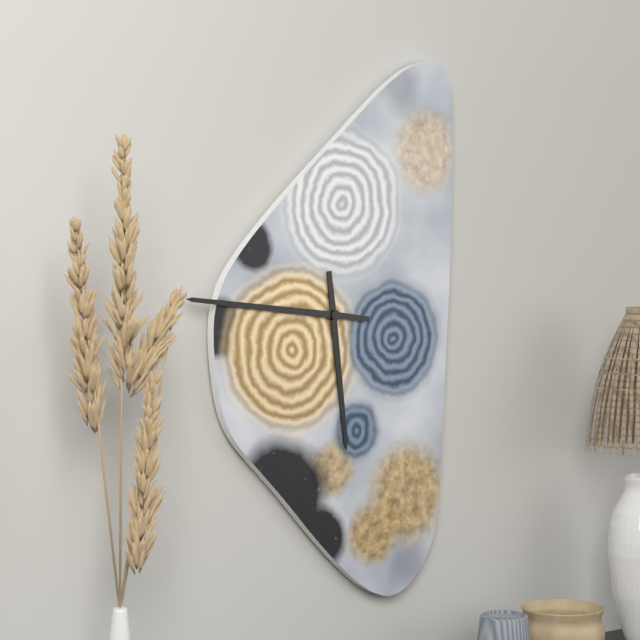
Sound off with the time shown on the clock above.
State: 5:46
